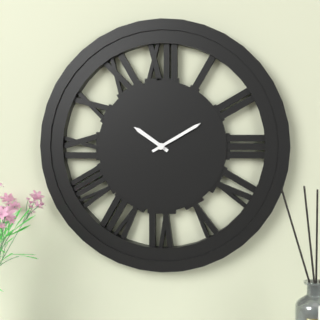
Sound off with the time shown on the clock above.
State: 10:10
